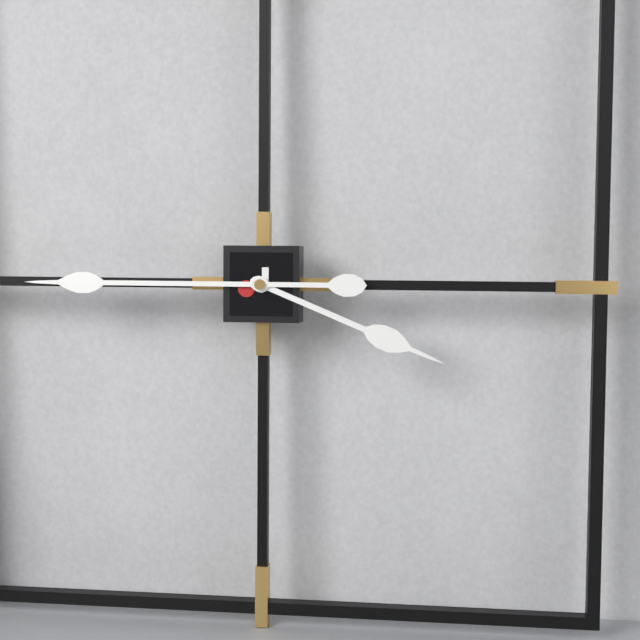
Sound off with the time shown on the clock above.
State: 3:45
